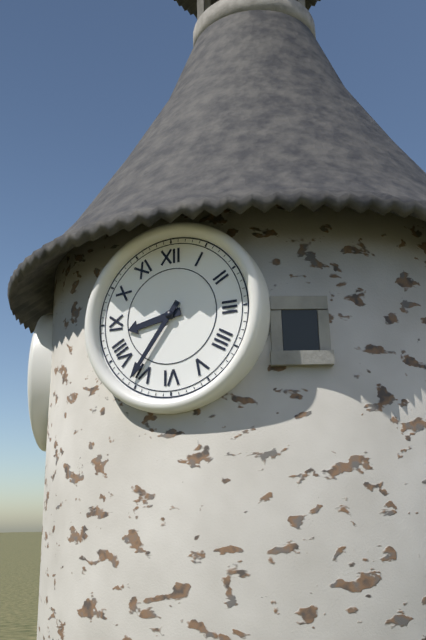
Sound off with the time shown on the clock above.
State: 8:36
